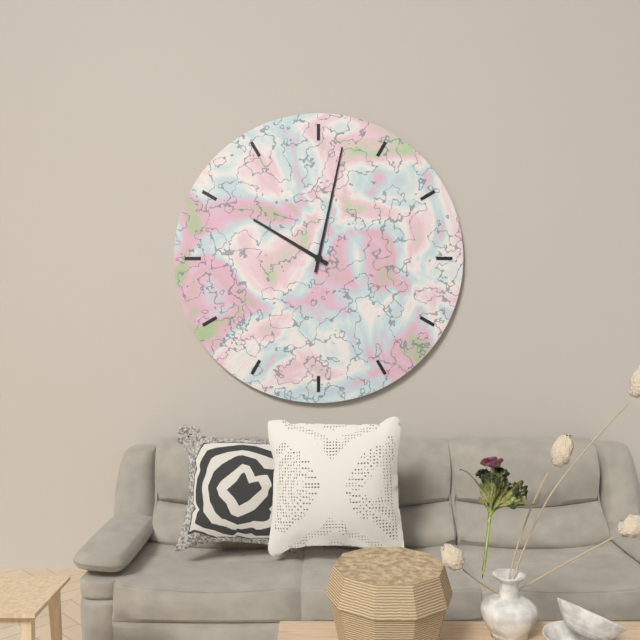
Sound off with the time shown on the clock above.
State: 10:02
